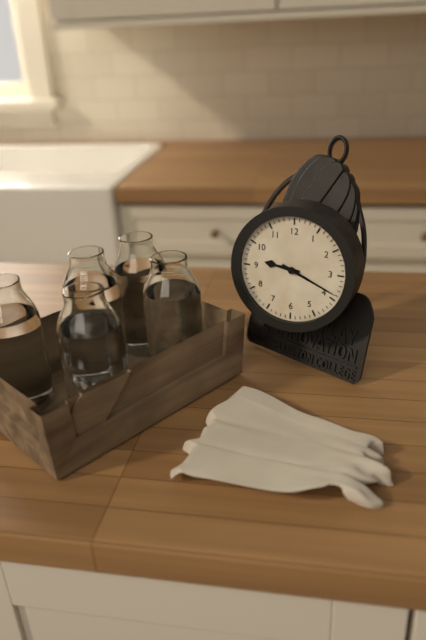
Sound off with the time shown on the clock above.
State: 9:19
